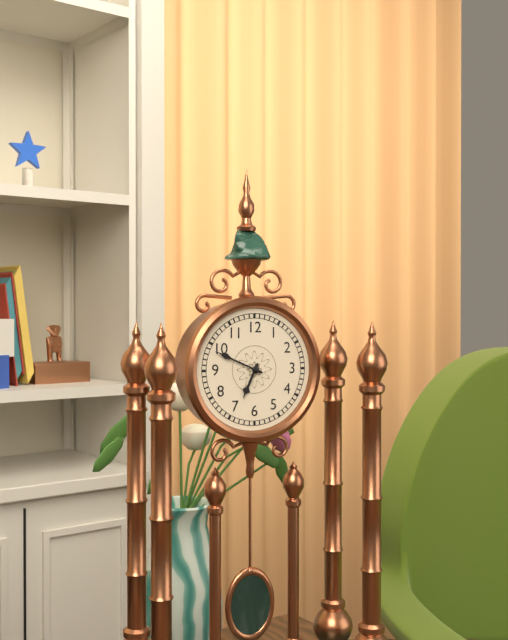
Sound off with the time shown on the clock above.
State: 6:49
